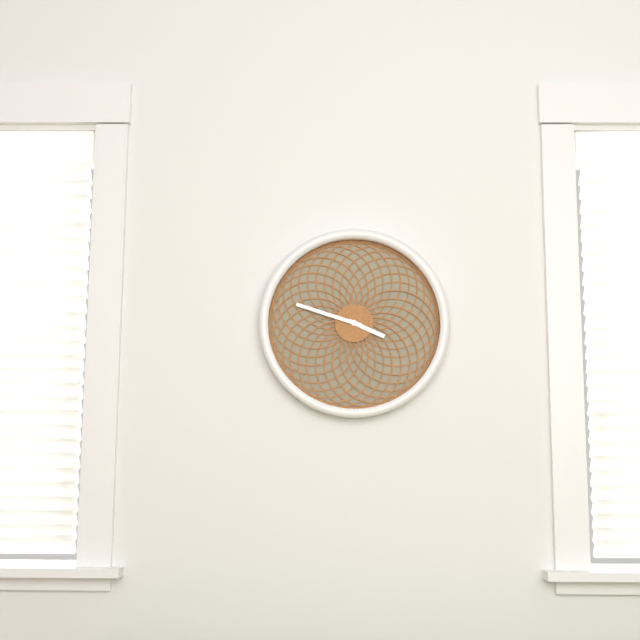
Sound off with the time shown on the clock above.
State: 3:48
